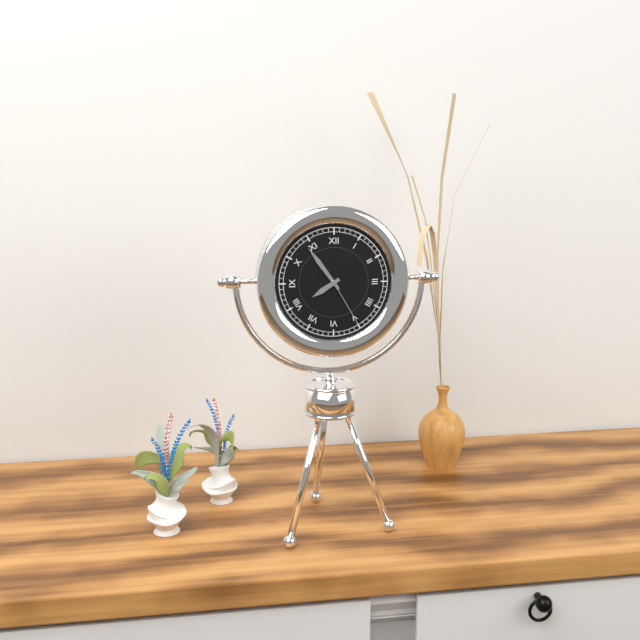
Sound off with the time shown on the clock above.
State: 7:54:25
